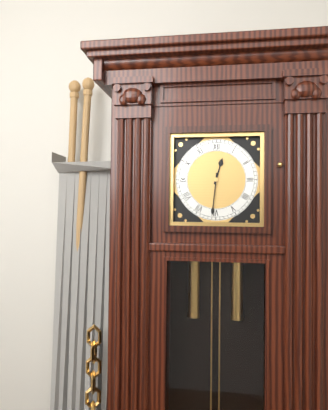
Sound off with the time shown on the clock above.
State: 12:31
